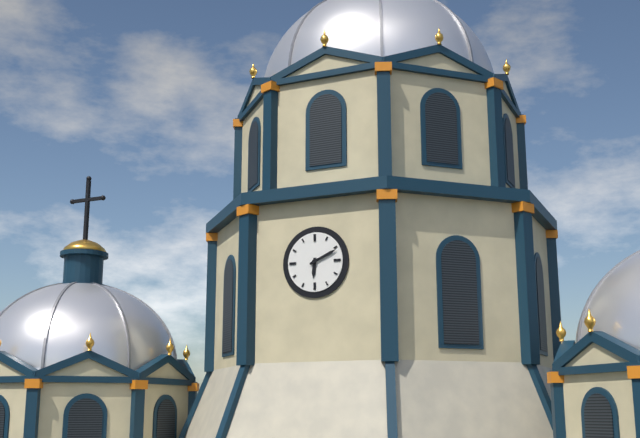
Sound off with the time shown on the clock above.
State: 6:11
